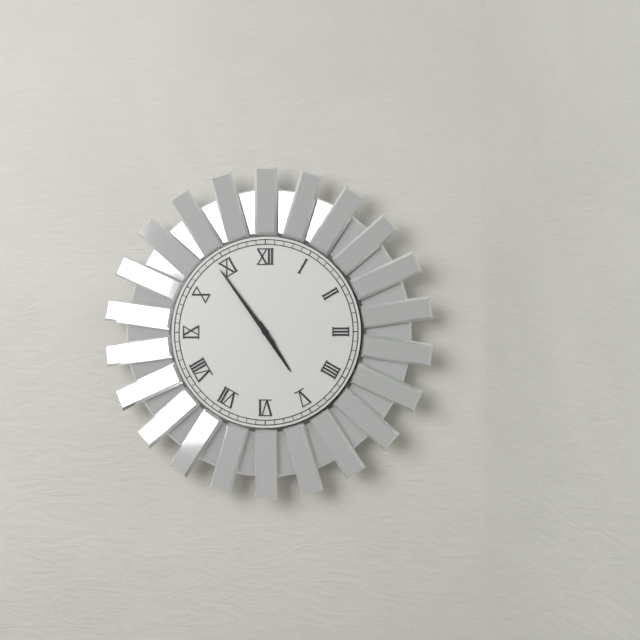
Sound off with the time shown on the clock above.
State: 4:54
